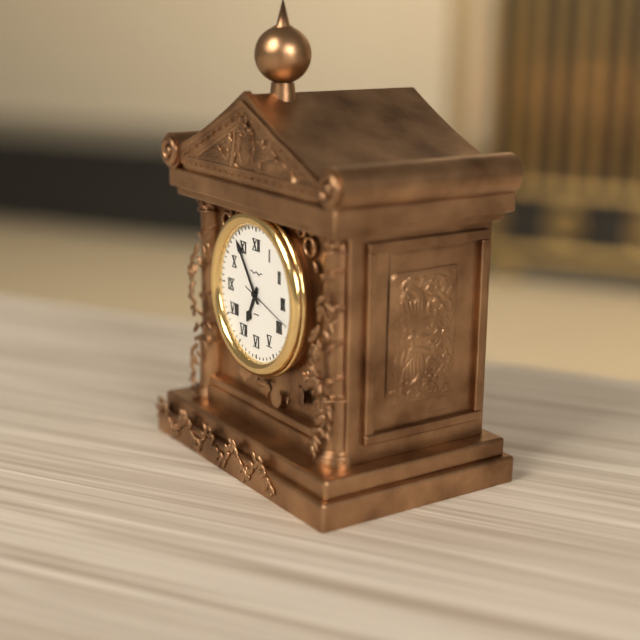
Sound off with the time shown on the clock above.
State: 6:54:18
